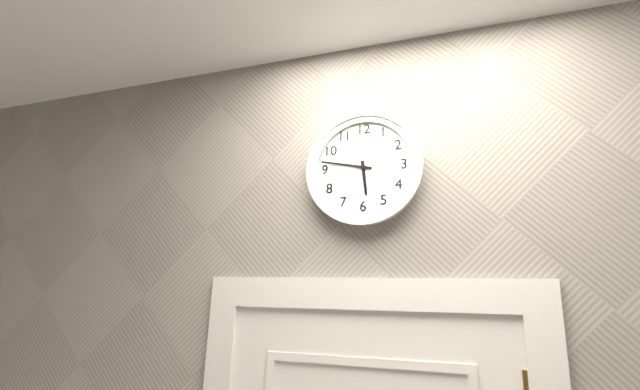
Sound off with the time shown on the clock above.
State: 5:47
